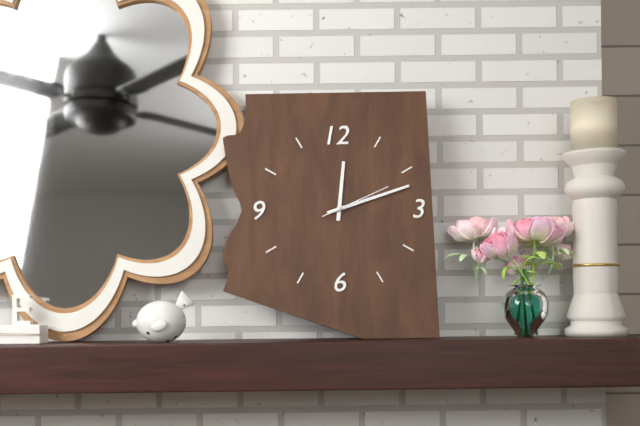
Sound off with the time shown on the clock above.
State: 12:12:11
